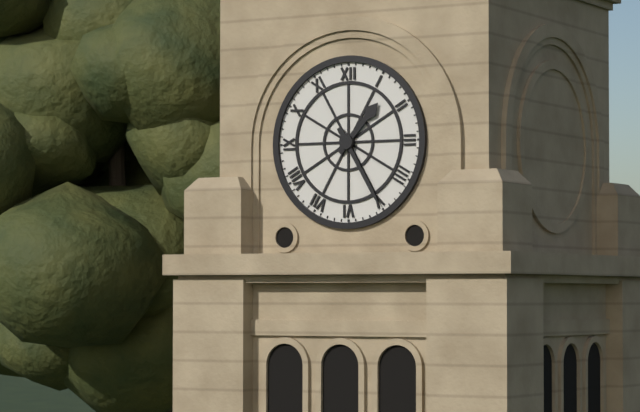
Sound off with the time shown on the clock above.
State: 1:25
